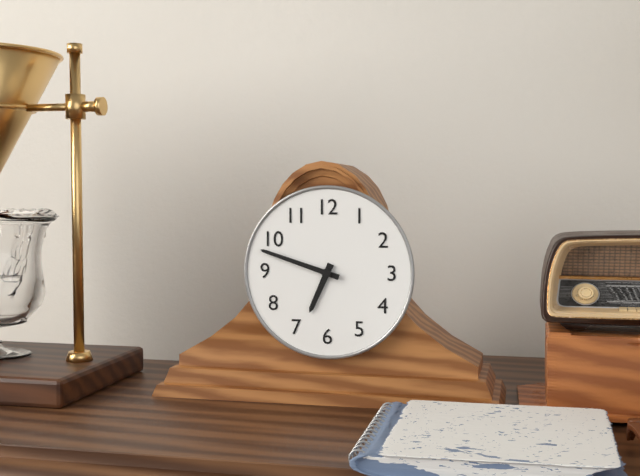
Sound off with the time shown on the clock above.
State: 6:48
